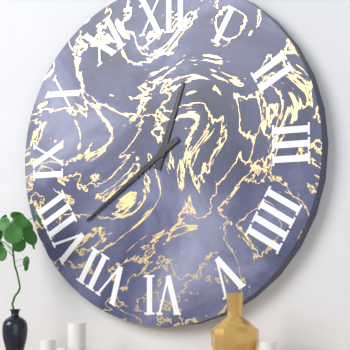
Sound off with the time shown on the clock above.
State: 12:39
